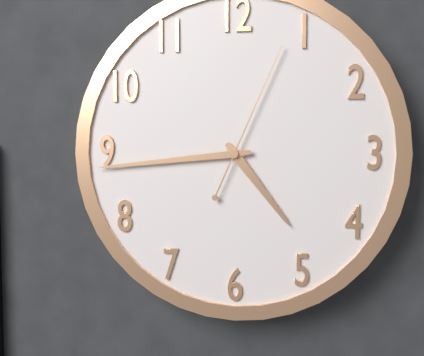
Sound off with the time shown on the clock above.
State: 4:44:04
